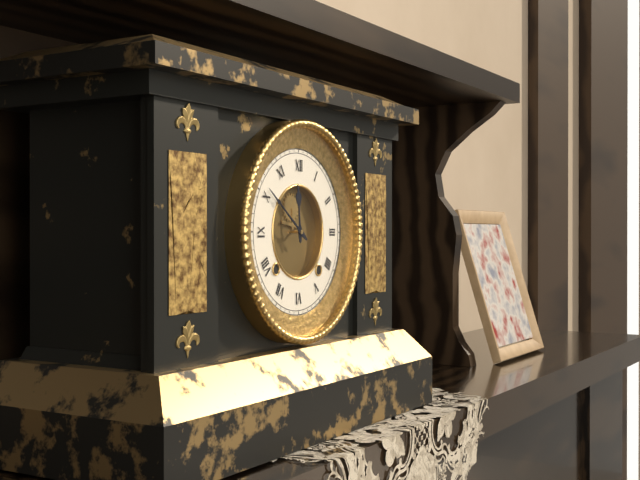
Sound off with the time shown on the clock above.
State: 11:51
